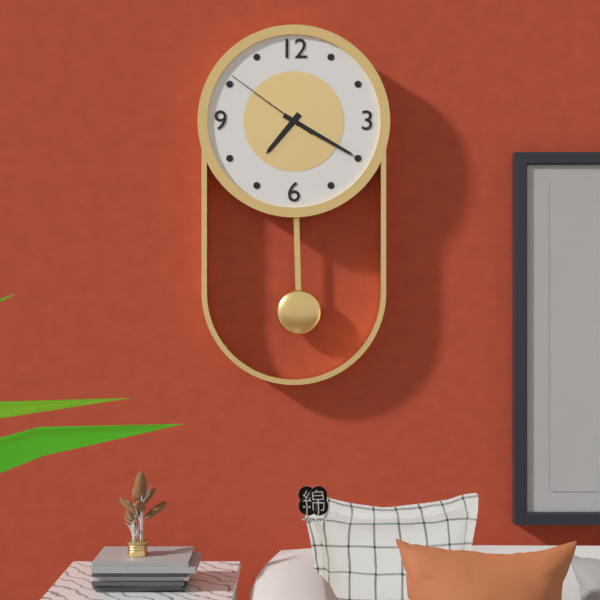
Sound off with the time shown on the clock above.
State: 7:20:51
